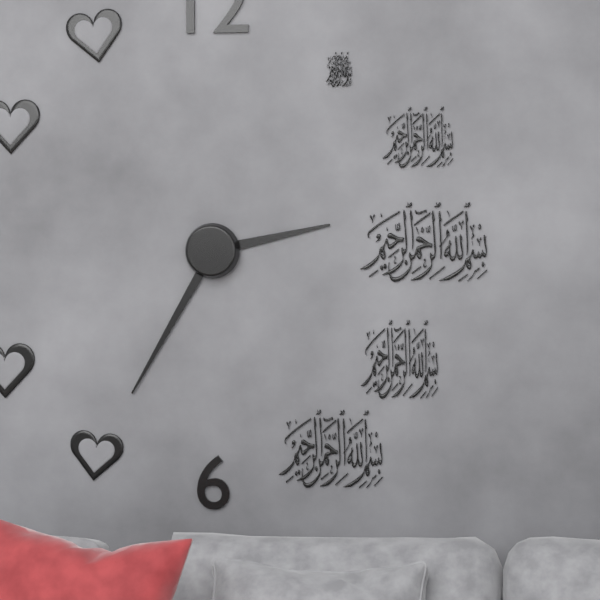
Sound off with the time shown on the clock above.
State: 2:35
